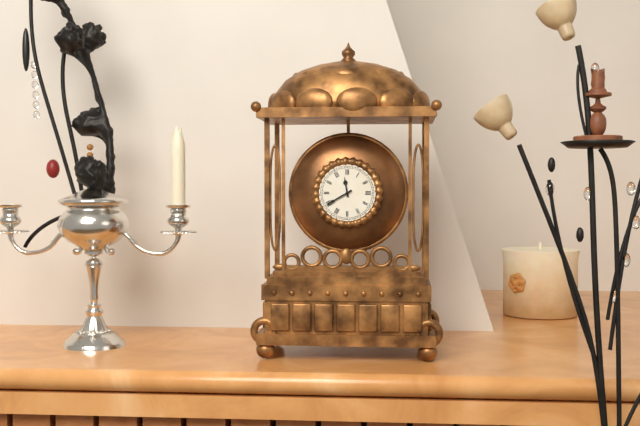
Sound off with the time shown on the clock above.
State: 11:40
